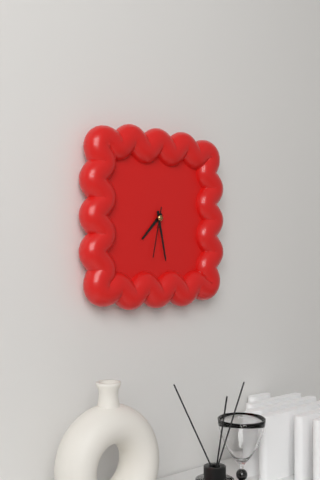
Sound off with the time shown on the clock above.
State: 7:28:32
